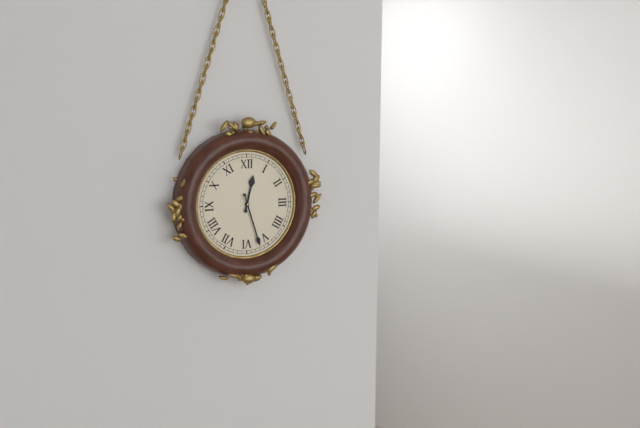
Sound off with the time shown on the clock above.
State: 12:27
